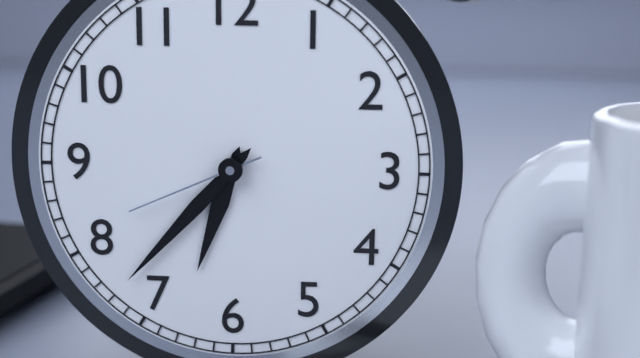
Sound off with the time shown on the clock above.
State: 6:37:41
